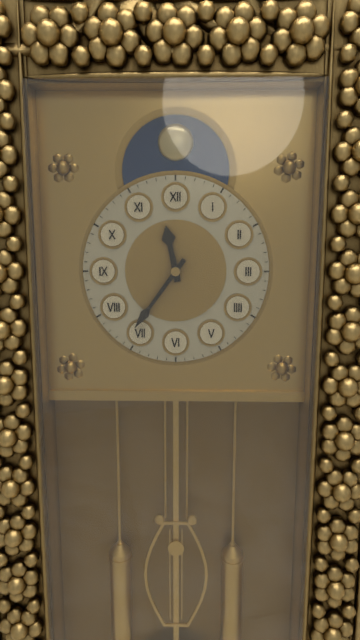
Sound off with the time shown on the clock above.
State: 11:36
